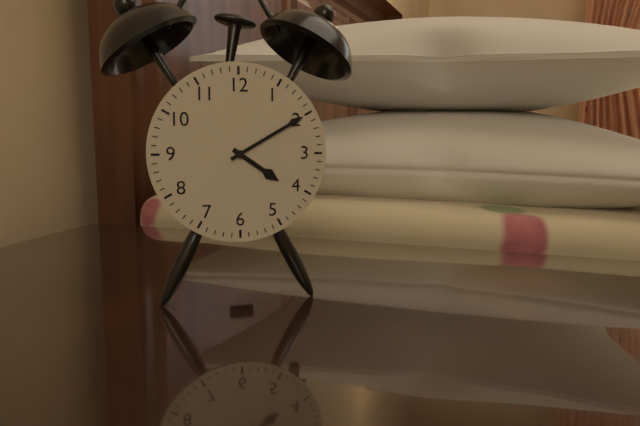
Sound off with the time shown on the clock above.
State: 4:10
